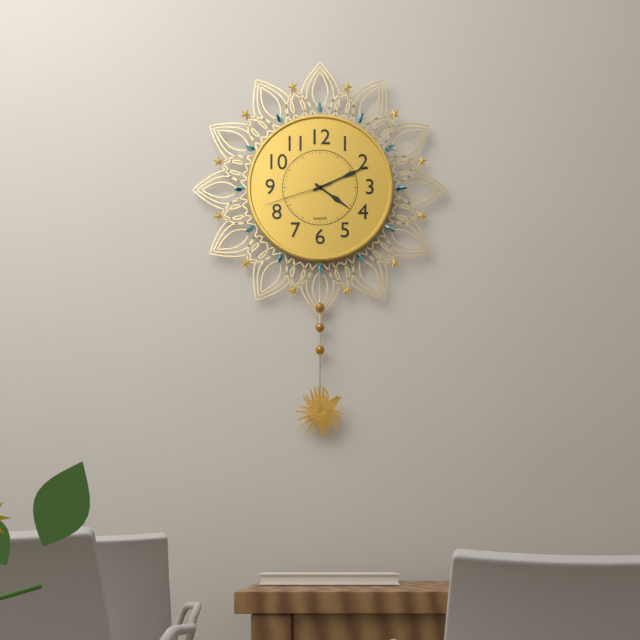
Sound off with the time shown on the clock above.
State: 4:11:42
